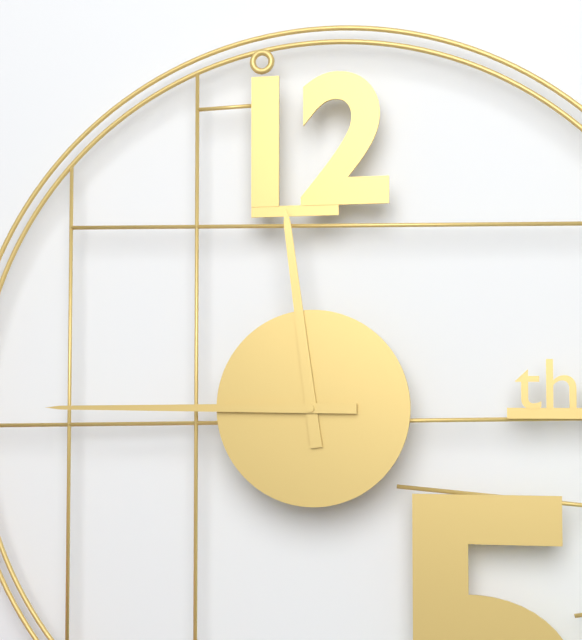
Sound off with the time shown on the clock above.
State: 11:45
